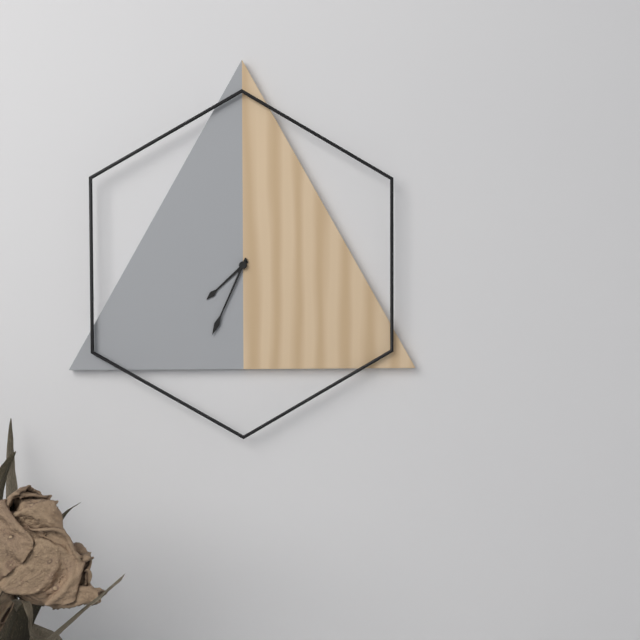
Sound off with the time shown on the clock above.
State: 7:34
